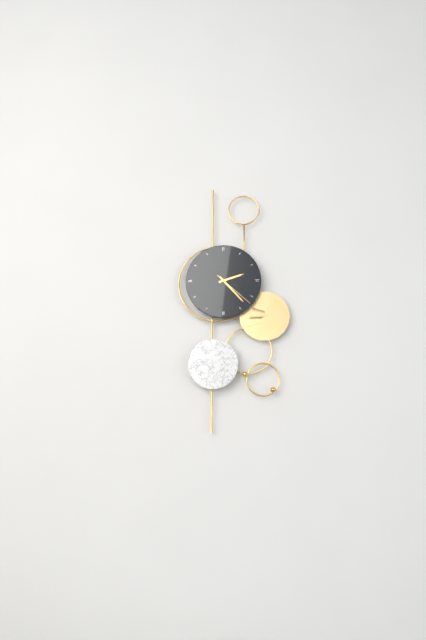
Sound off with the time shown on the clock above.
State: 2:23
